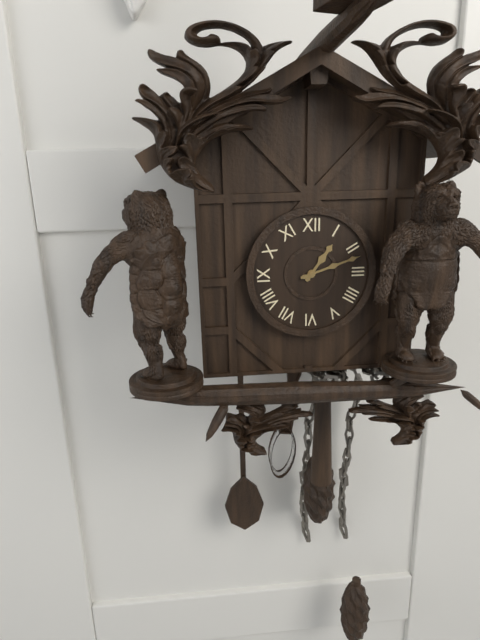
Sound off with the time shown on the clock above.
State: 1:12
